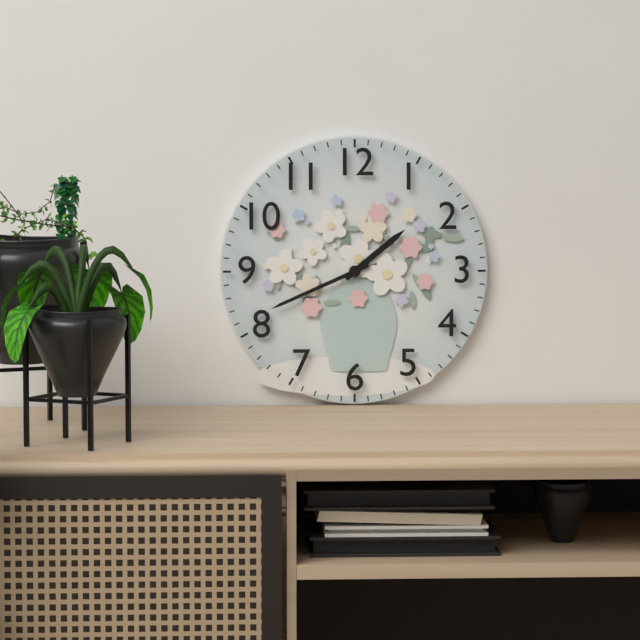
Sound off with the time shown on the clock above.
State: 1:41
